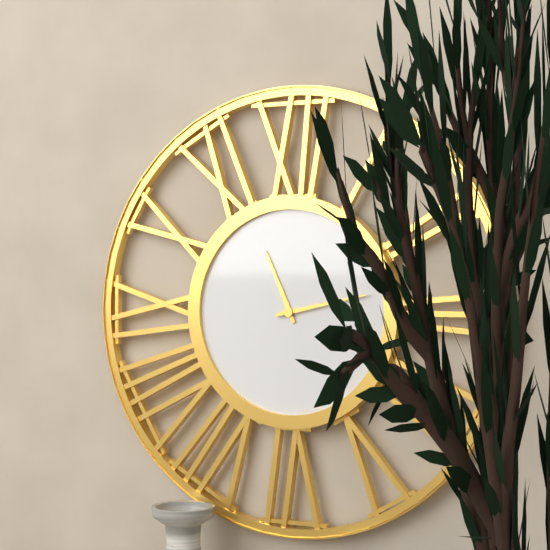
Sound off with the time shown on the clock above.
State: 11:13
